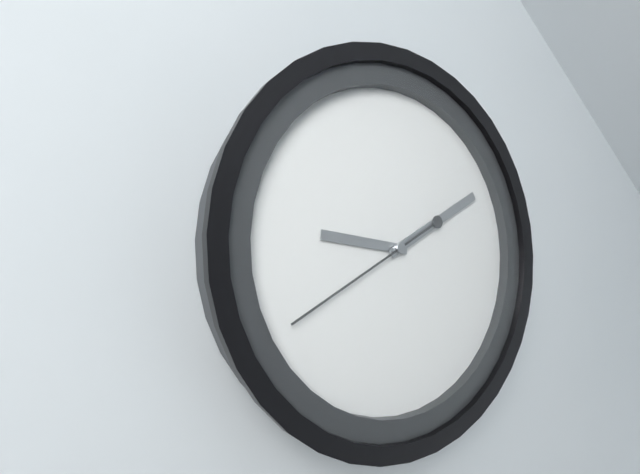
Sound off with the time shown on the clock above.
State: 9:10:40
